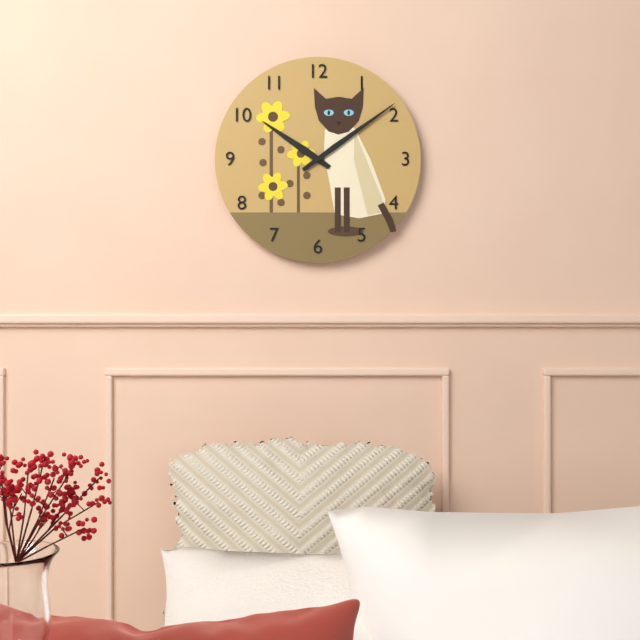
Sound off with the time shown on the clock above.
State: 10:09
